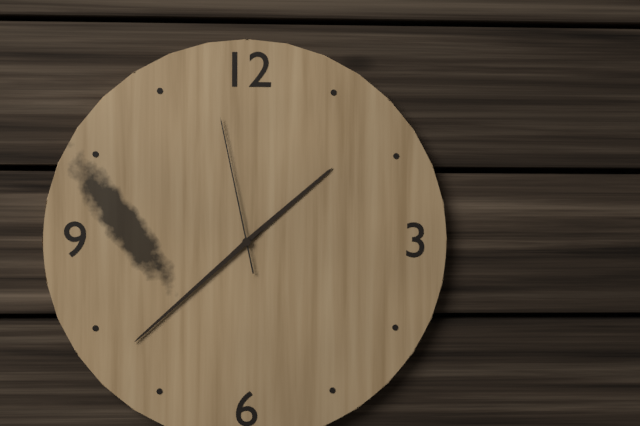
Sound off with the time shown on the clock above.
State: 1:38:58
